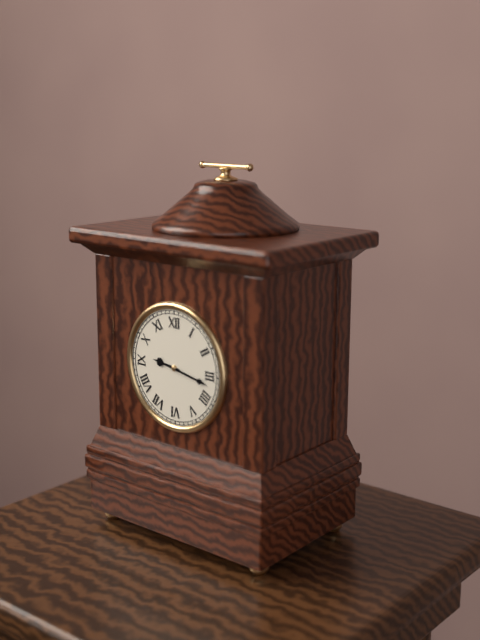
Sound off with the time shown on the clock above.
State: 9:17
